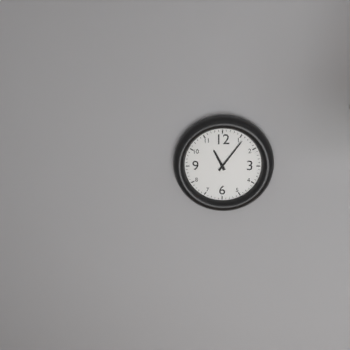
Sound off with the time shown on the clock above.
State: 11:06
